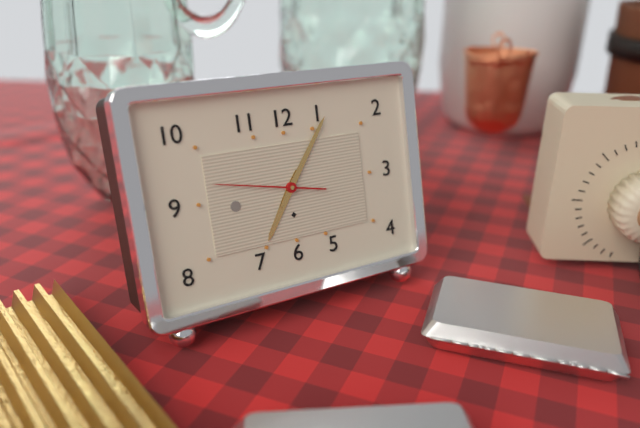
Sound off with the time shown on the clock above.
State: 7:06:47
